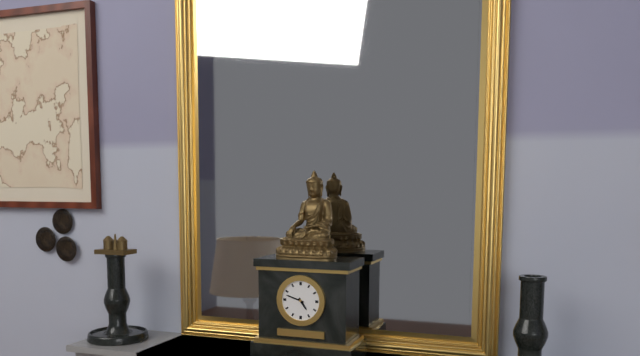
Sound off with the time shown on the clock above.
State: 4:48
